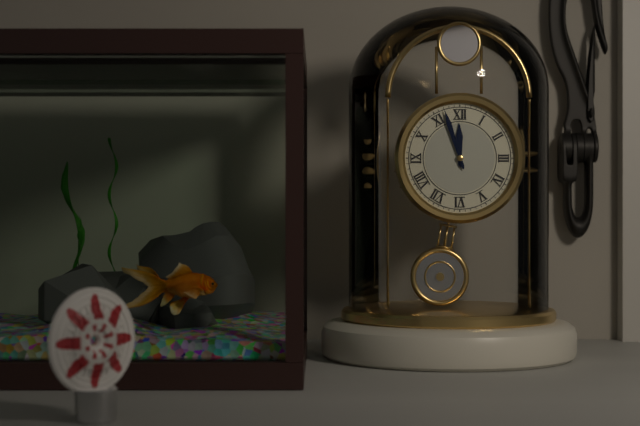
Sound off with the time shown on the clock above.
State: 11:57
